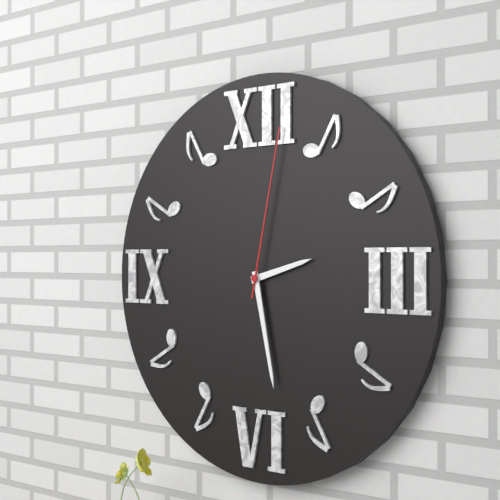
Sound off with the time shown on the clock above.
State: 2:28:02
